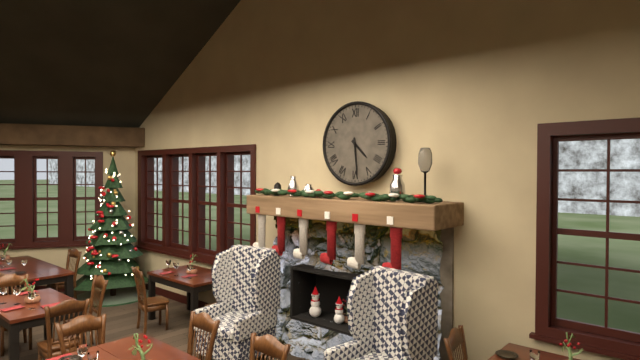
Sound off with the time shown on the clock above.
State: 4:29
